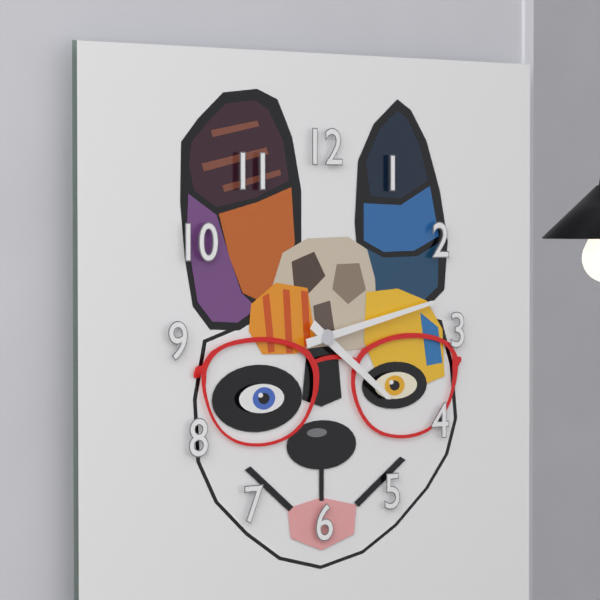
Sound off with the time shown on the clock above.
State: 4:13
